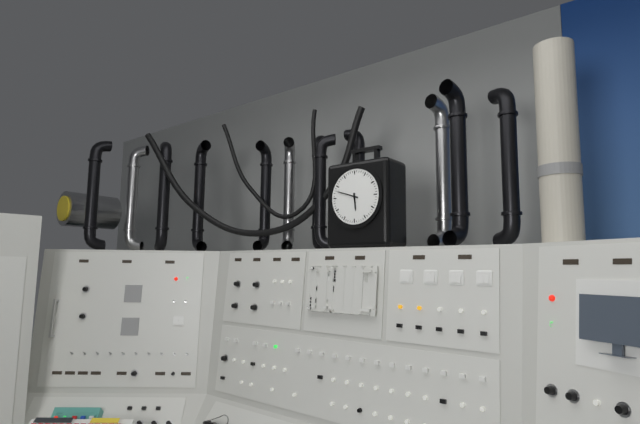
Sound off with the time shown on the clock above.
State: 5:48
